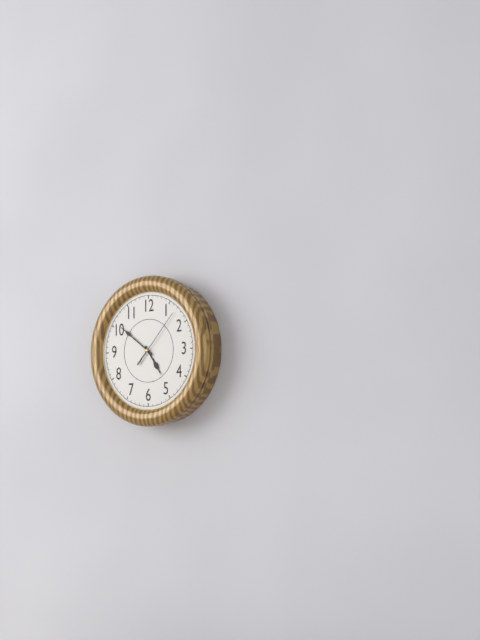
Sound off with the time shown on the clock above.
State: 4:51:07
